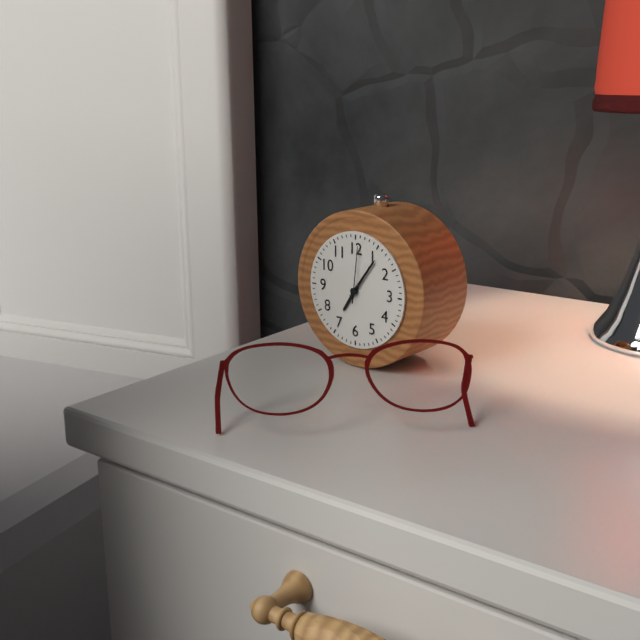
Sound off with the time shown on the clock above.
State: 7:06:01
